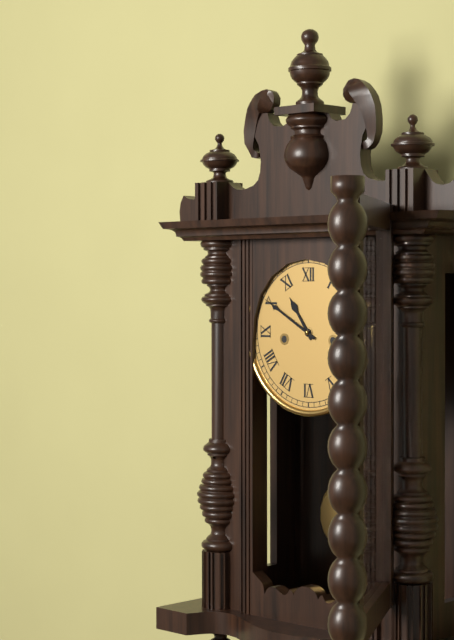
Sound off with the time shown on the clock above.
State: 10:50
